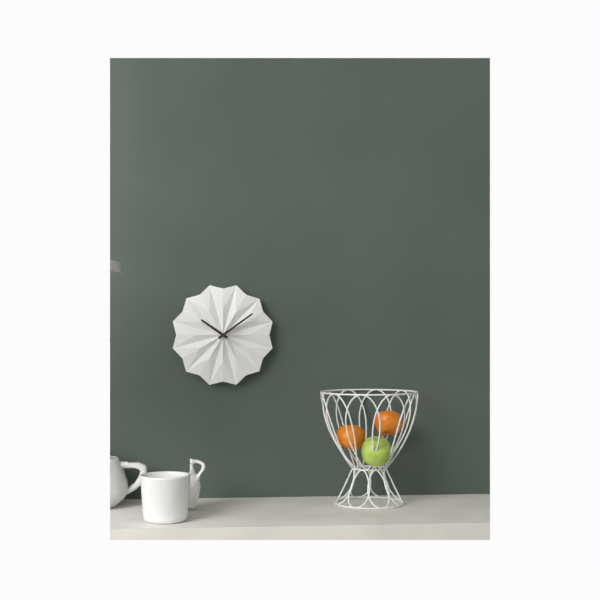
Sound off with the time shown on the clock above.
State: 10:09
